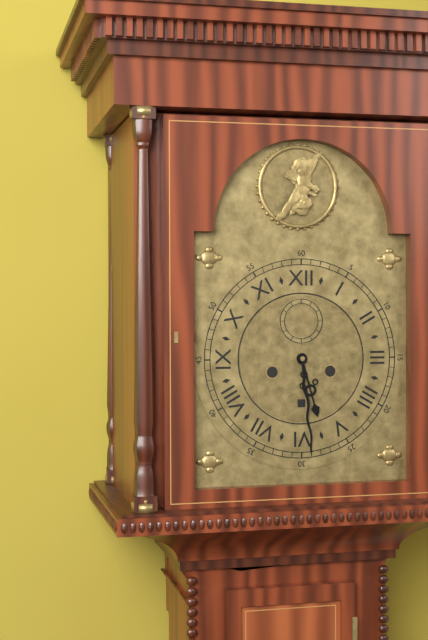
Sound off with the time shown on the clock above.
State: 5:29
